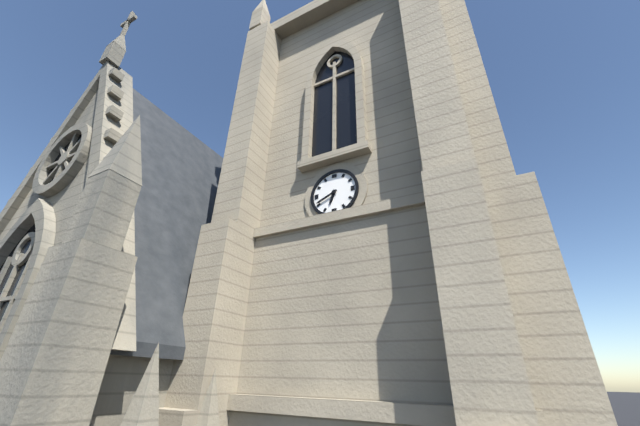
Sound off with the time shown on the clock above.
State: 6:41
